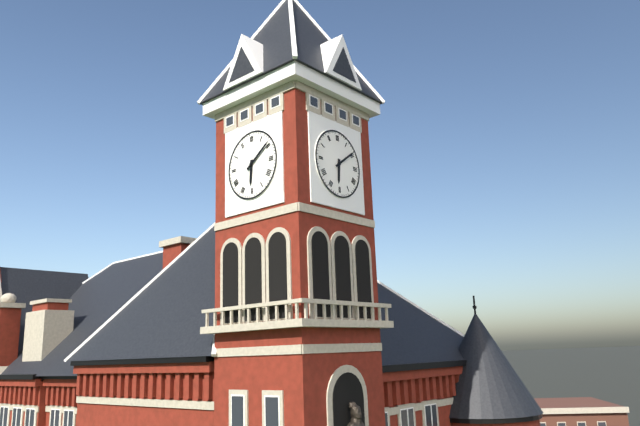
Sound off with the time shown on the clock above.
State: 6:09
